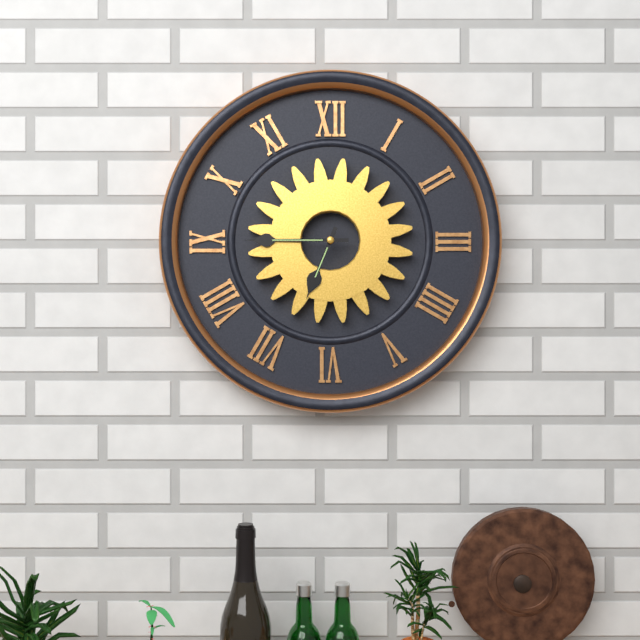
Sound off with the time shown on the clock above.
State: 6:45
